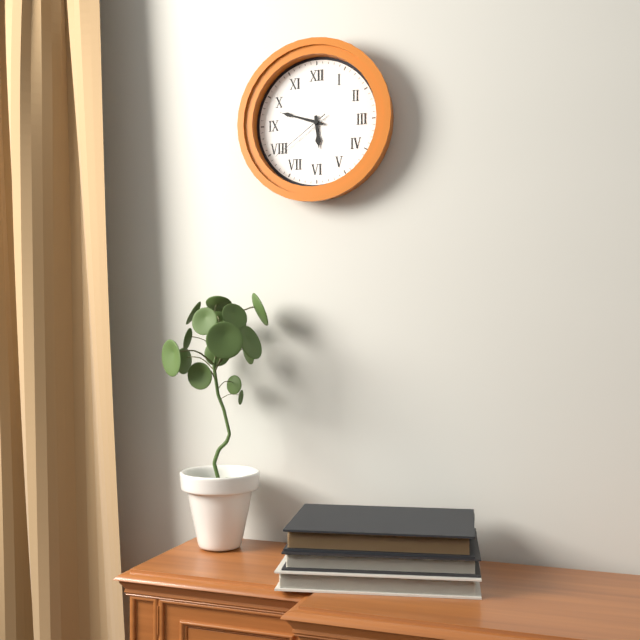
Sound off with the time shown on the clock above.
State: 5:48:39
